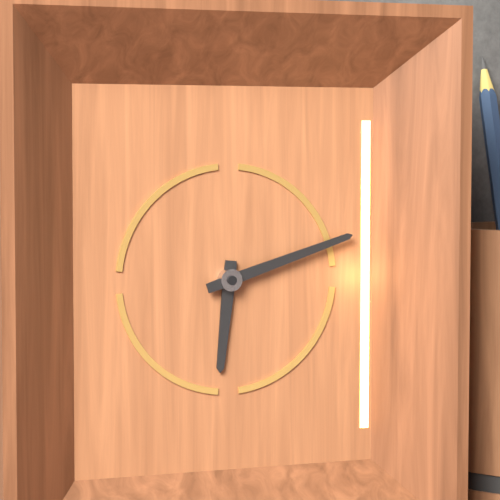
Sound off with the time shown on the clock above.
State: 6:12
